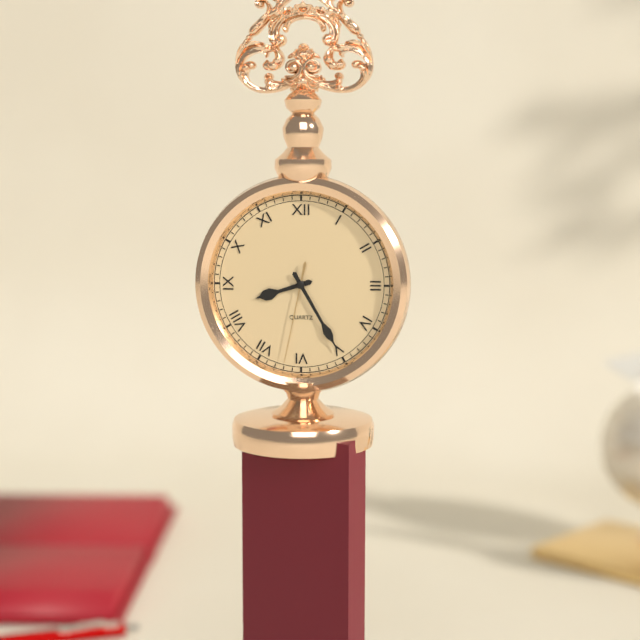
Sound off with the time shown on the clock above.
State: 8:25:32
